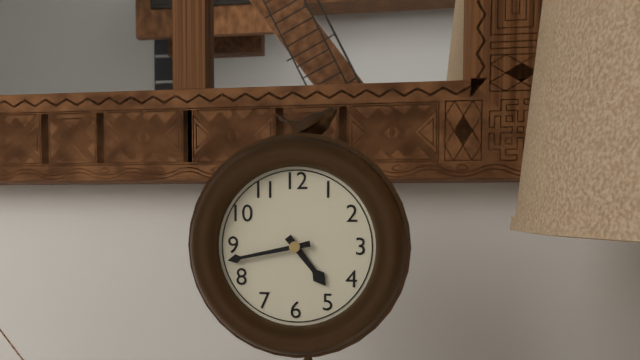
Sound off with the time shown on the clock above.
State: 4:43
